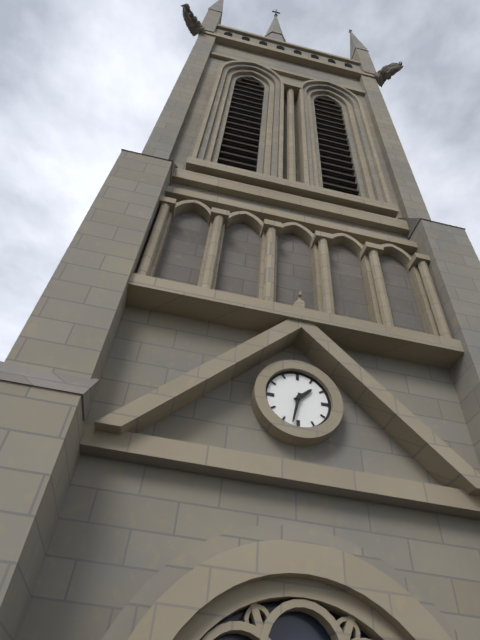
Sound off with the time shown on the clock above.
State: 1:32
